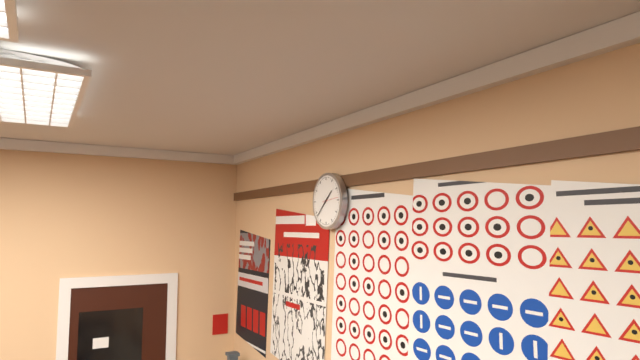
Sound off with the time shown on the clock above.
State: 1:38
